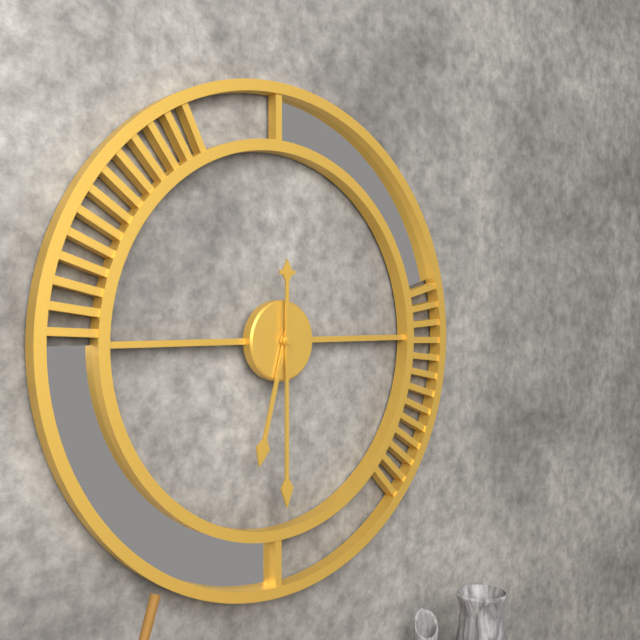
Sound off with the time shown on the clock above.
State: 6:30
